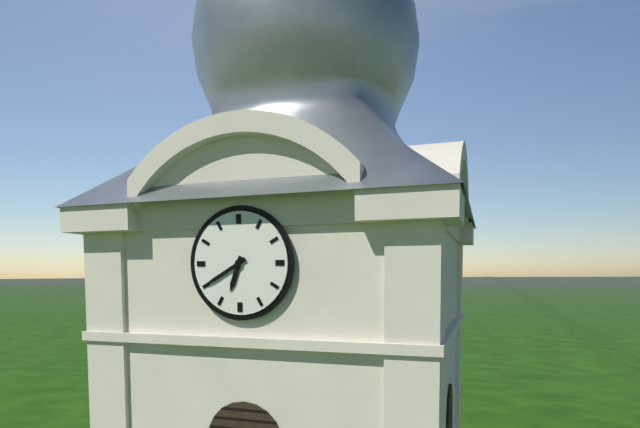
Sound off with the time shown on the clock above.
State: 6:40
